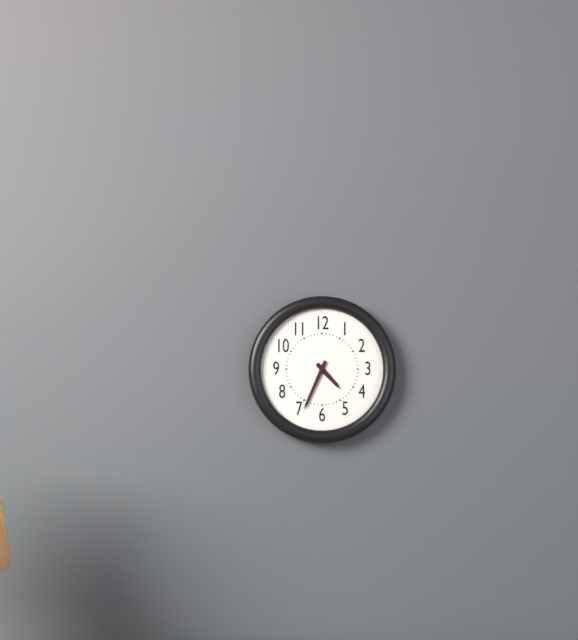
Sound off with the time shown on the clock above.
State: 4:34
